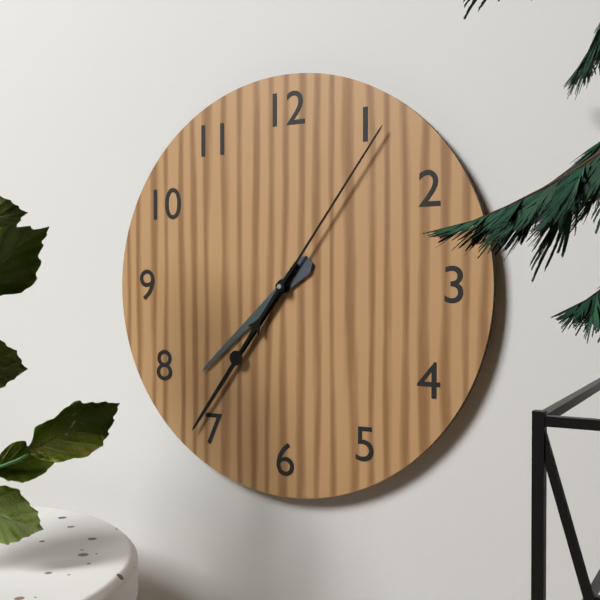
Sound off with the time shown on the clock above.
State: 7:36:06
